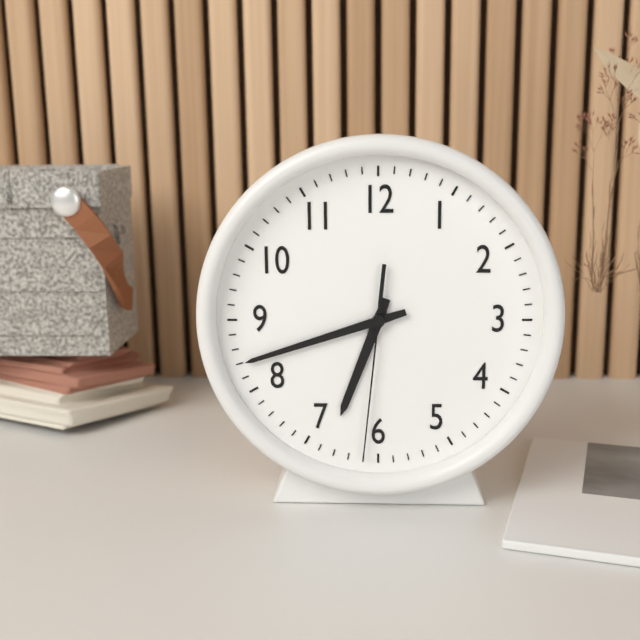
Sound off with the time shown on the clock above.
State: 6:42:31
